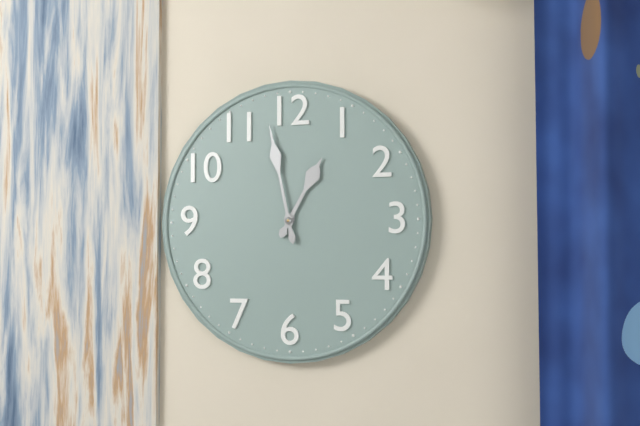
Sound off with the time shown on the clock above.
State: 12:58
